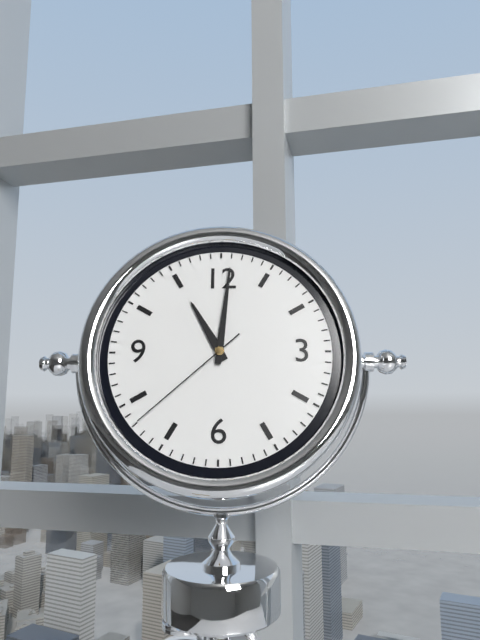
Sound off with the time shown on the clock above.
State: 11:01:38
